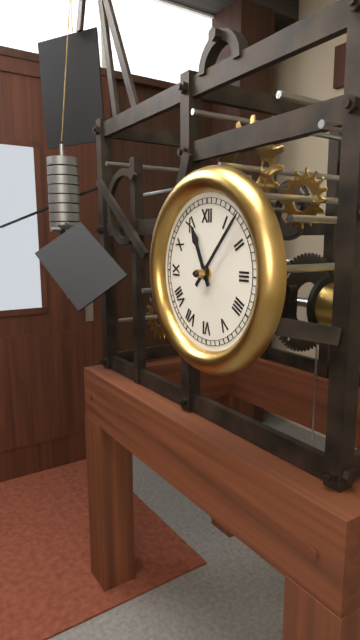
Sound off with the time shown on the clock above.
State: 11:07
